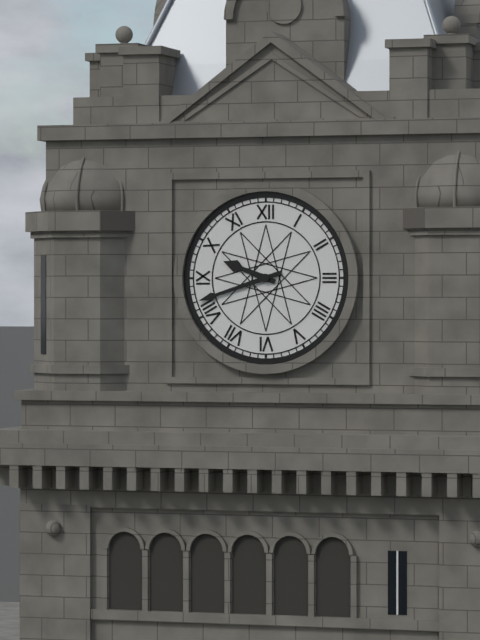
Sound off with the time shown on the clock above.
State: 9:42
